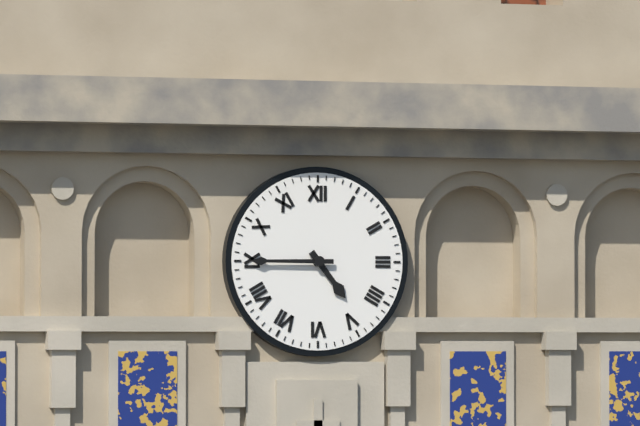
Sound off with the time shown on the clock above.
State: 4:45
